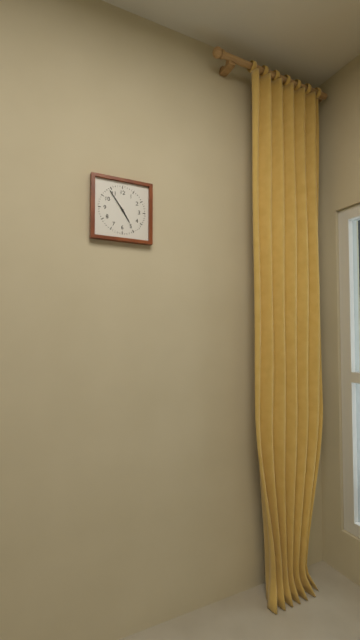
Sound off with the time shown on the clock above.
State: 4:54
